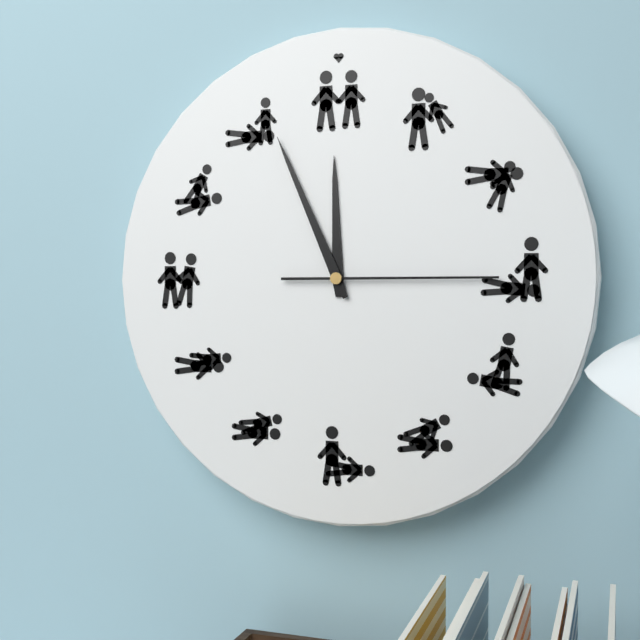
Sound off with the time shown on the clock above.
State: 11:56:15
